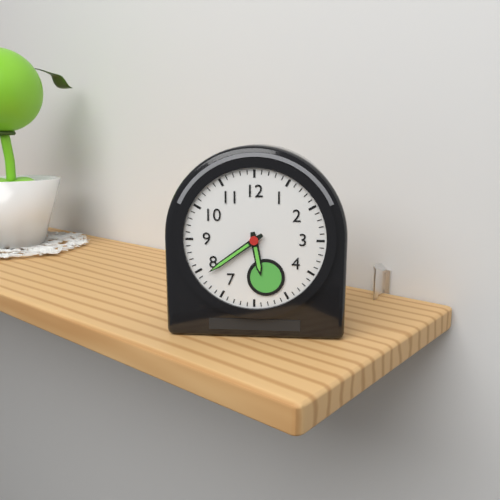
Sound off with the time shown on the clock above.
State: 5:39
